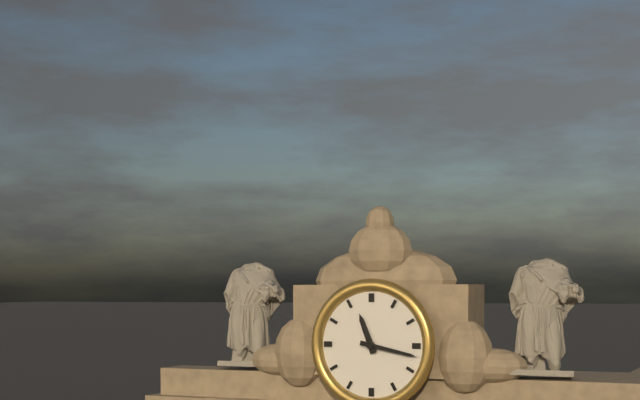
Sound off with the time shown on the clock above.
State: 11:17
